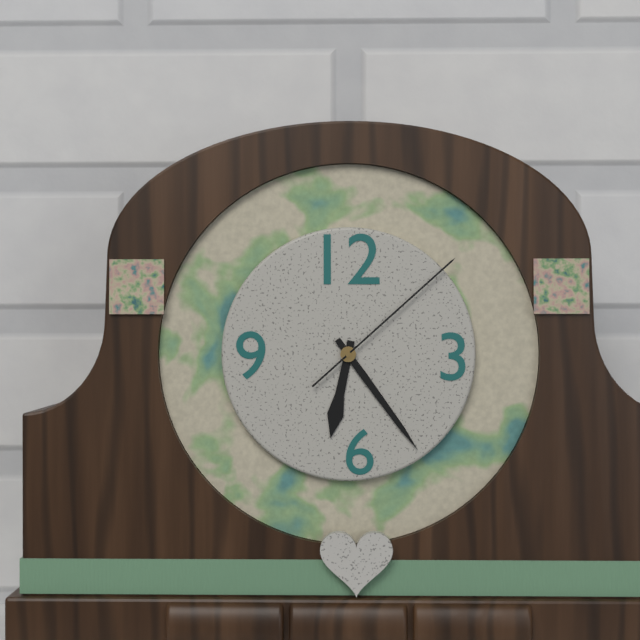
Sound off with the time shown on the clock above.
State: 6:24:08
